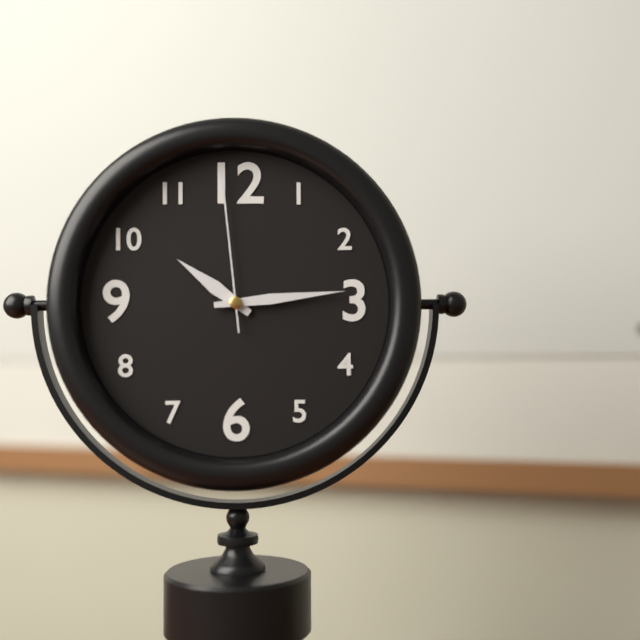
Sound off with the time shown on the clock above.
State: 10:14:59
